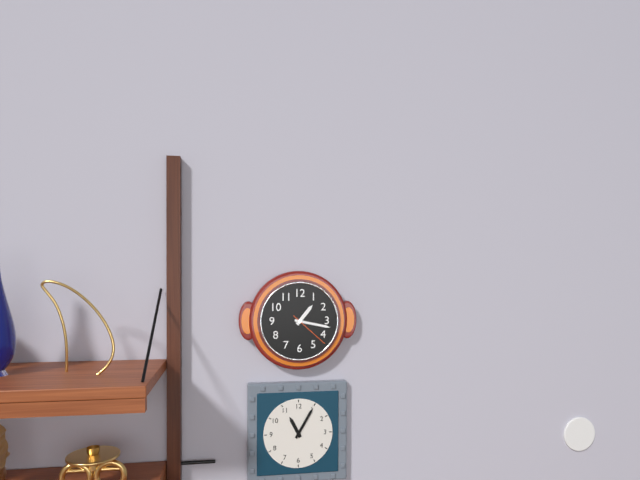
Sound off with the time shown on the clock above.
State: 1:17
